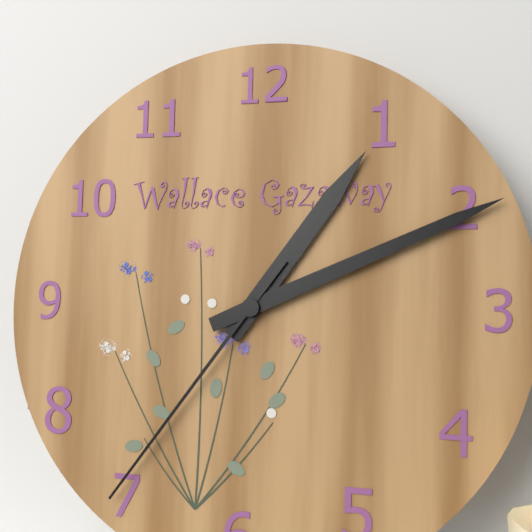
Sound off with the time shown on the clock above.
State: 1:11:36
